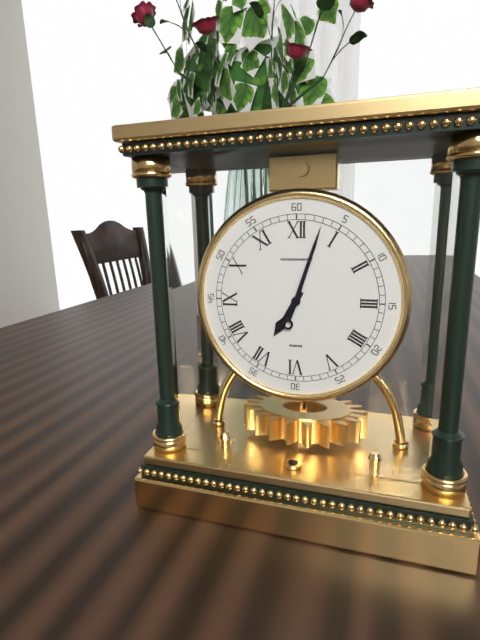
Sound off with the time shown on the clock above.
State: 7:03
